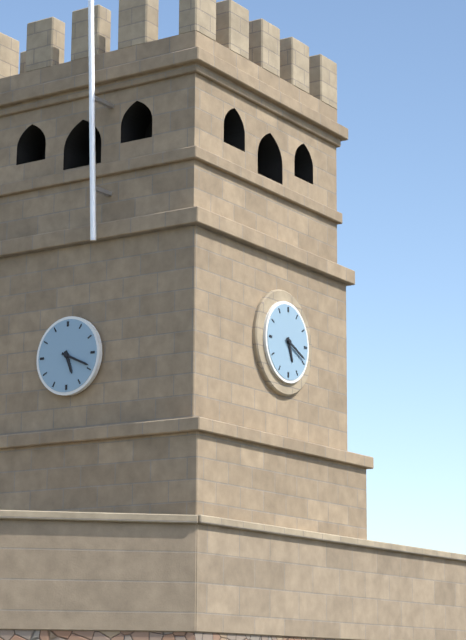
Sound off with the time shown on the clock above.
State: 5:19
